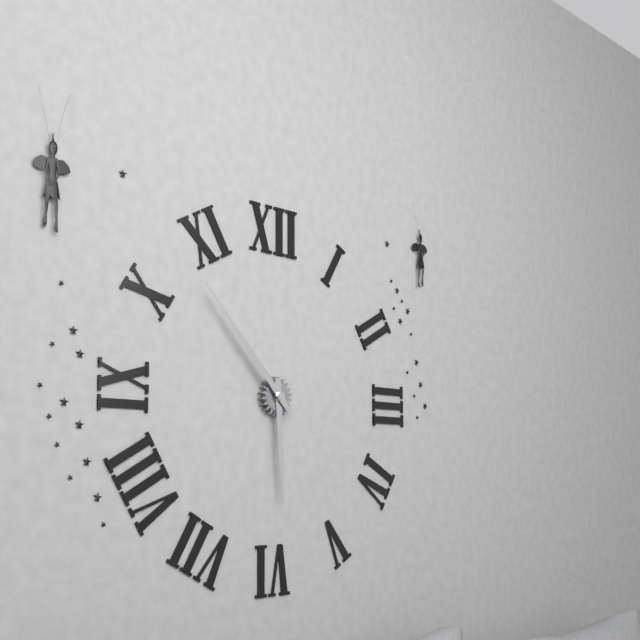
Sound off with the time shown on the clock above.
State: 5:53
